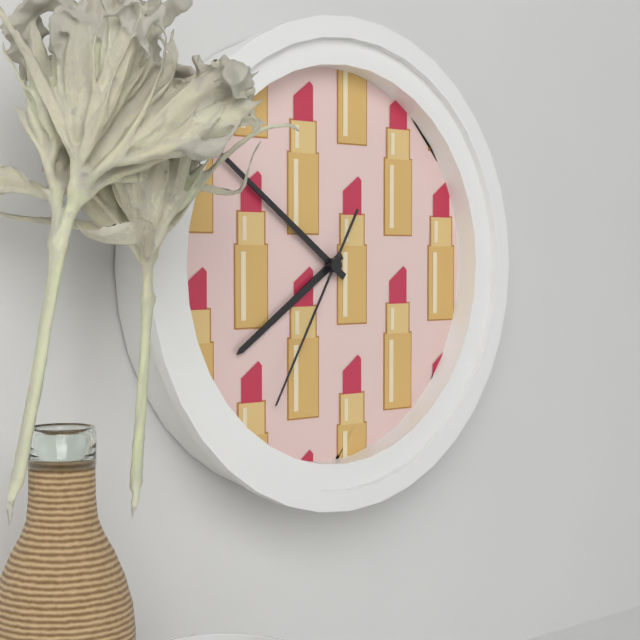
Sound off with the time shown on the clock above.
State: 7:51:35
